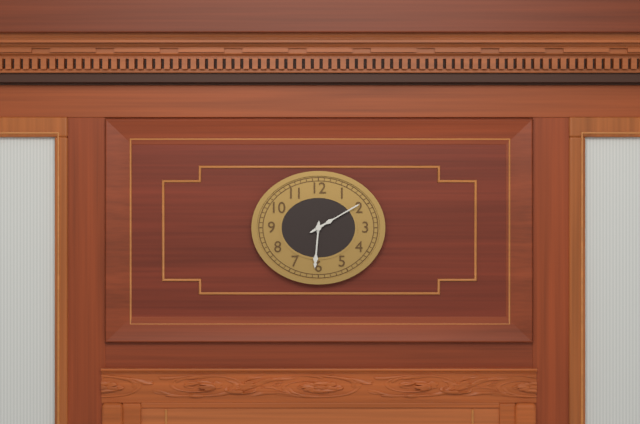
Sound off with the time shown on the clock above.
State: 6:10
